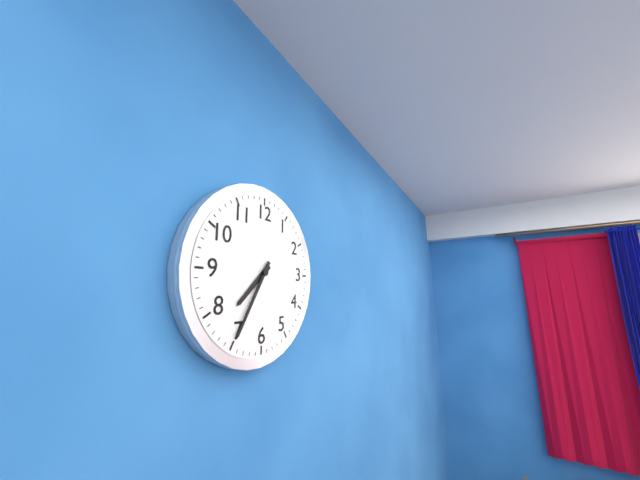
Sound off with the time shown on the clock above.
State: 7:35
